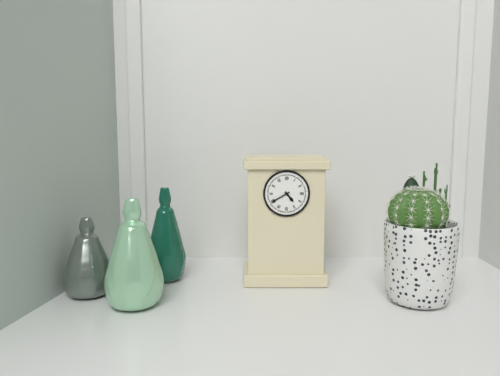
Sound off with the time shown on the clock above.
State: 4:40
